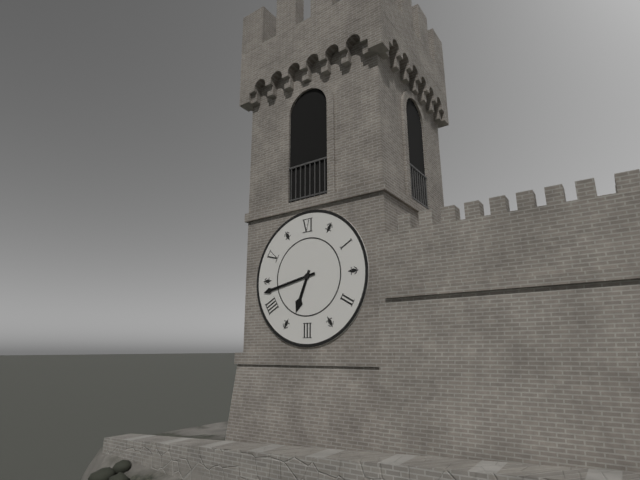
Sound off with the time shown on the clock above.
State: 6:43
